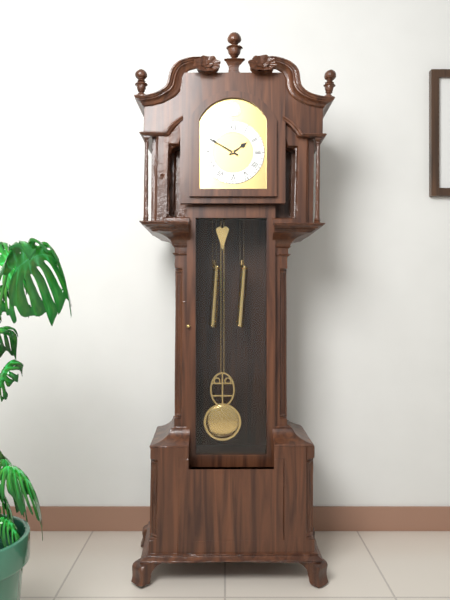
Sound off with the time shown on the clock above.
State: 1:50
